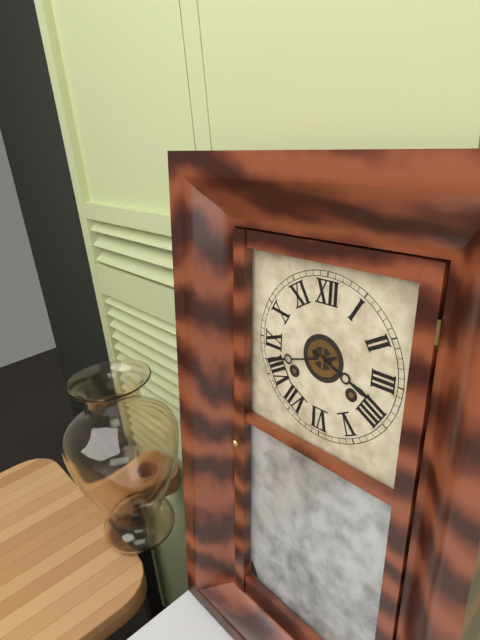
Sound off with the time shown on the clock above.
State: 3:42
